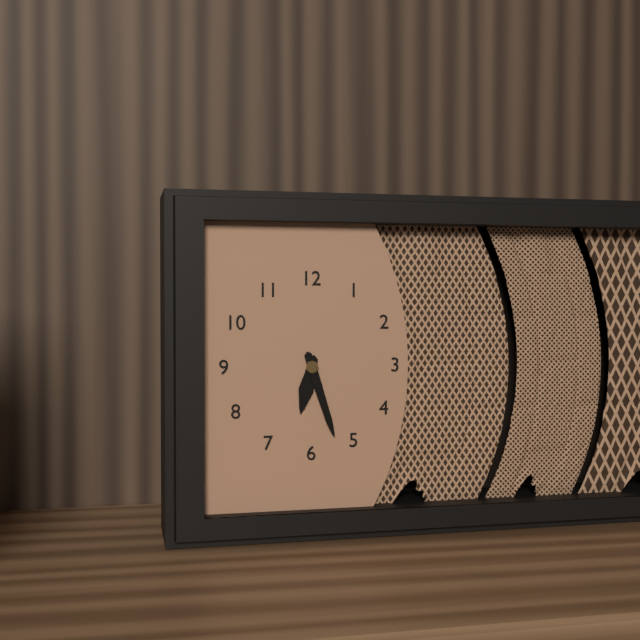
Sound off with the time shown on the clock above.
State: 6:27
